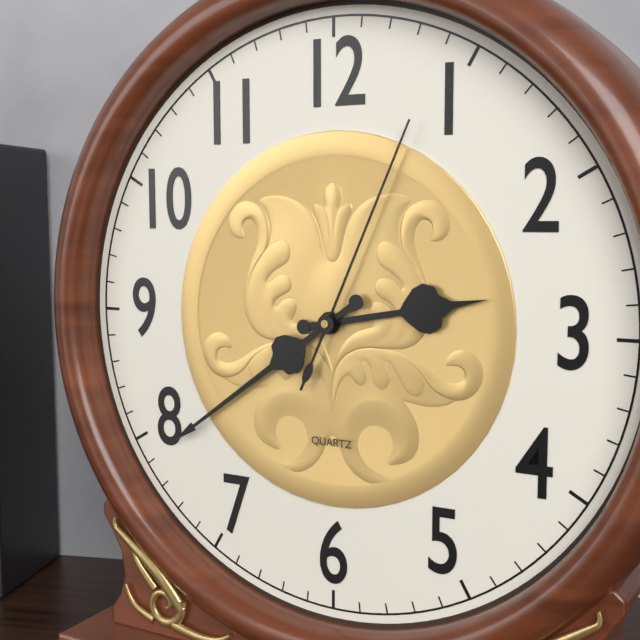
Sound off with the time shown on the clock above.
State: 2:39:04
